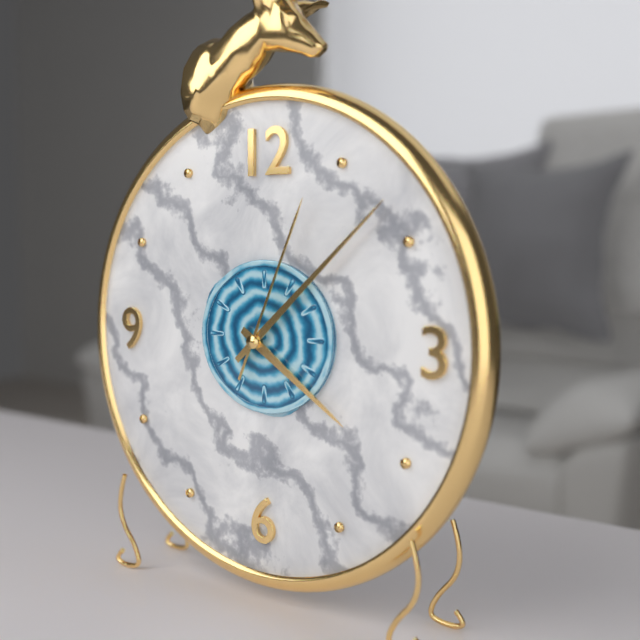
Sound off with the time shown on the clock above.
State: 4:08:04
